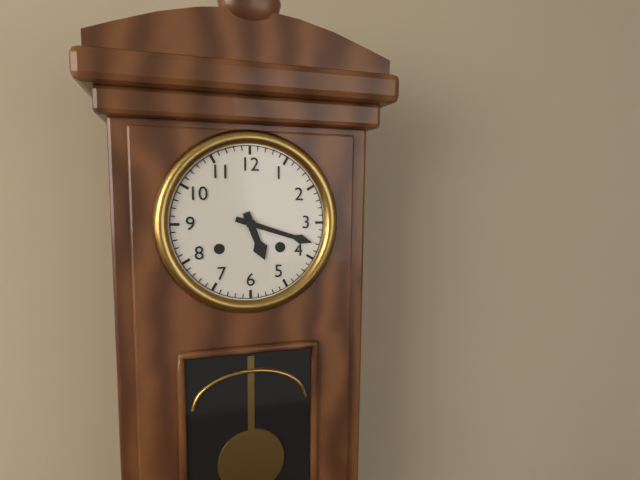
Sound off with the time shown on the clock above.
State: 5:18
